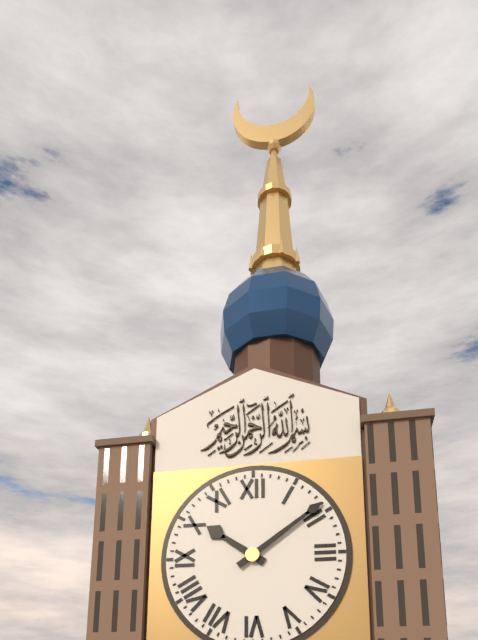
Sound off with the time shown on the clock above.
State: 10:09
